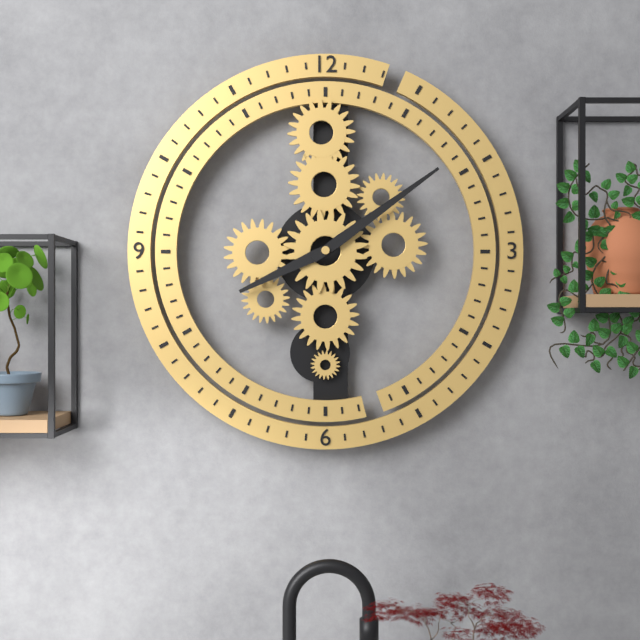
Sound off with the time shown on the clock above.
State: 8:09
